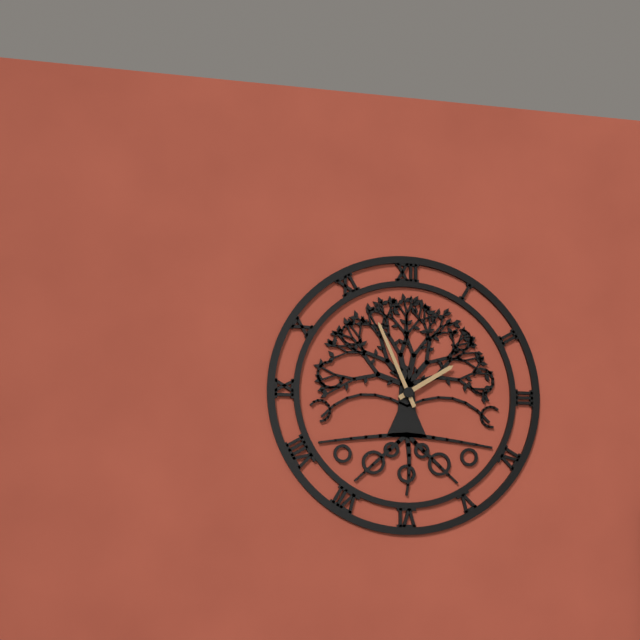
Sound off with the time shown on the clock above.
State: 1:56
